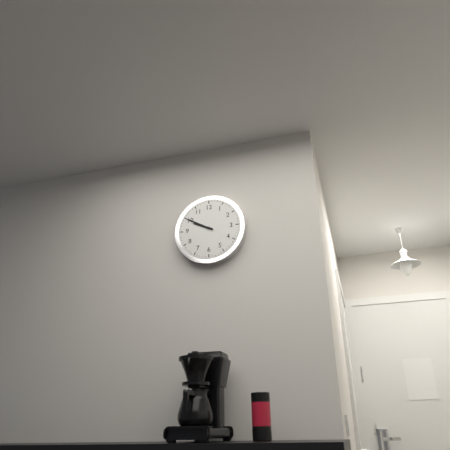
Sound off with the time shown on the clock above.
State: 9:50
